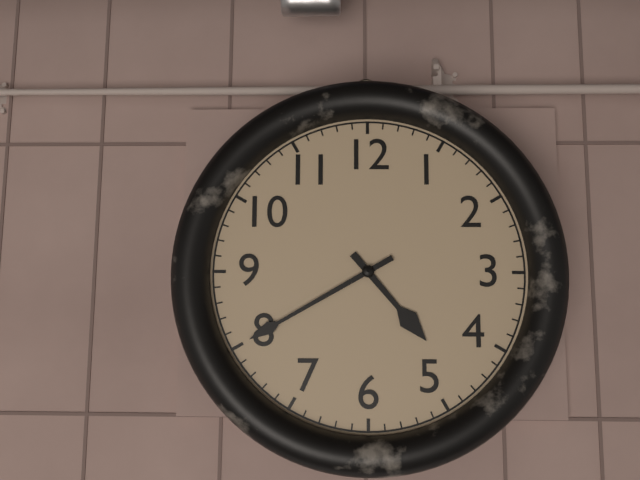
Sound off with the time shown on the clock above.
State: 4:40
